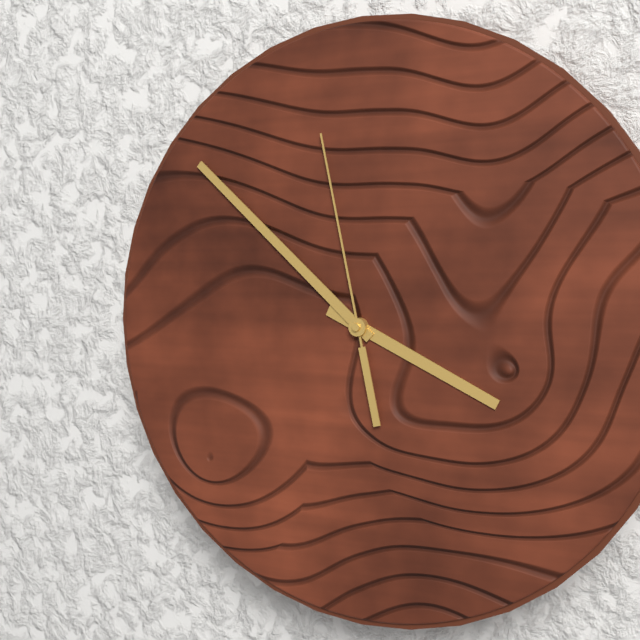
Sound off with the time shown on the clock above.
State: 3:52:58
